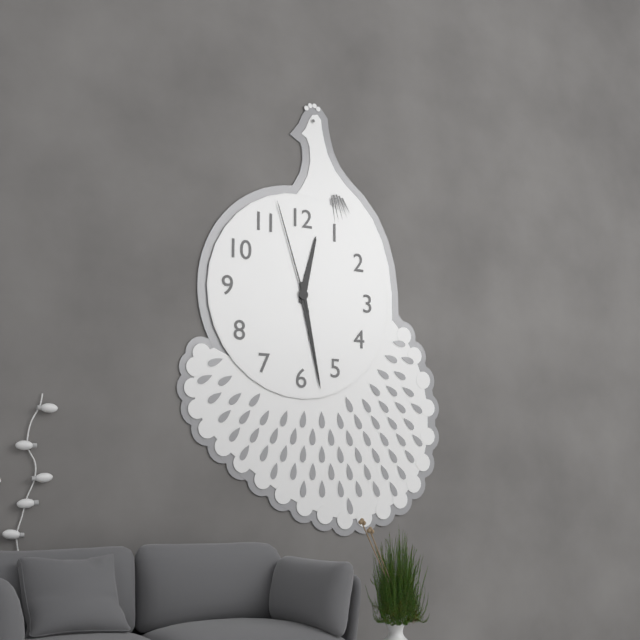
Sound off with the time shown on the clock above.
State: 12:28:57
